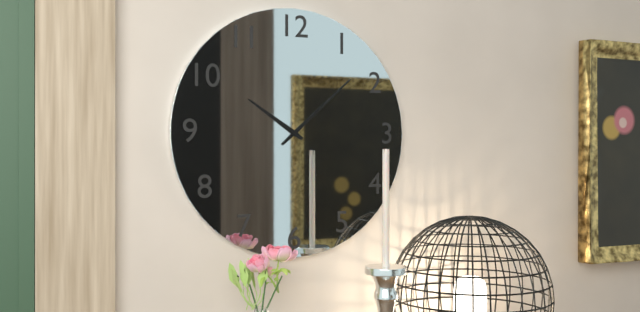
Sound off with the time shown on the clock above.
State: 10:08
